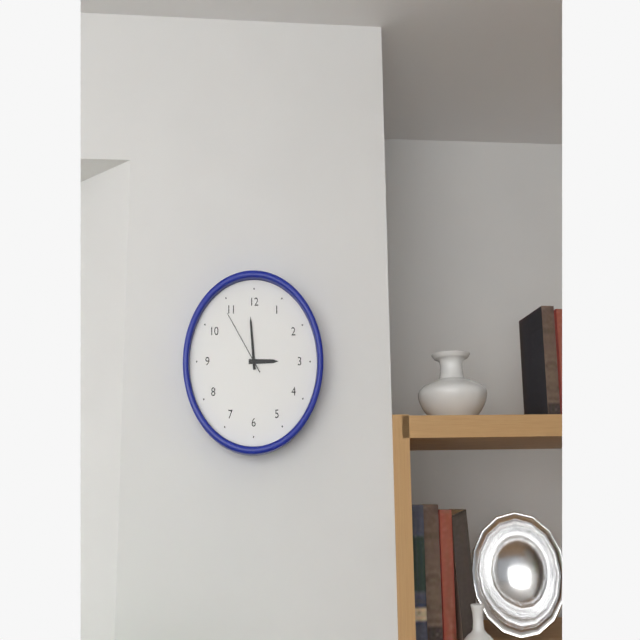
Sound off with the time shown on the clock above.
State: 2:59:54
